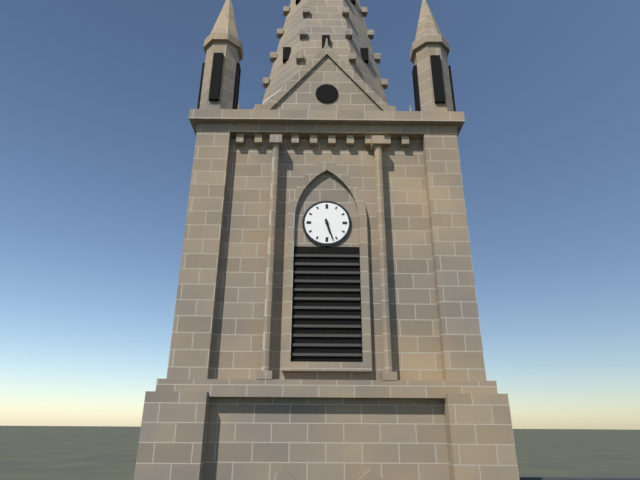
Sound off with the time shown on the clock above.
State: 5:27
